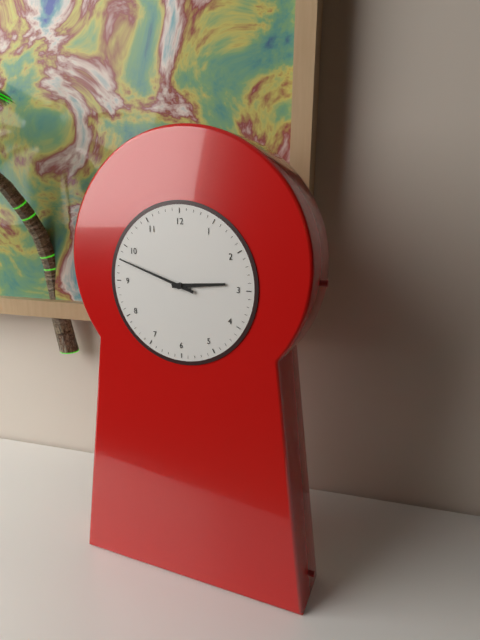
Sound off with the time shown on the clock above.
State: 2:48
